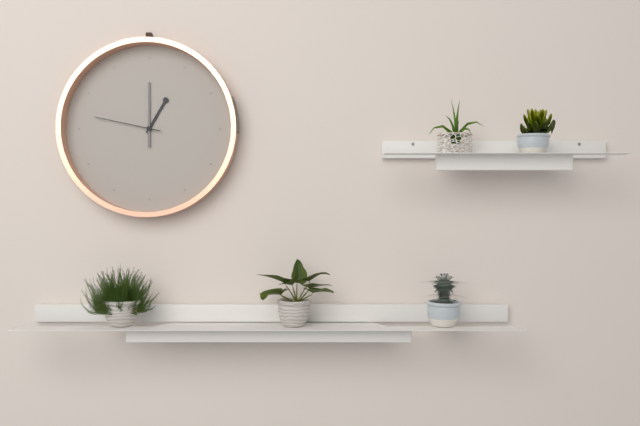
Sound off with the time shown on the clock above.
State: 1:00:47
